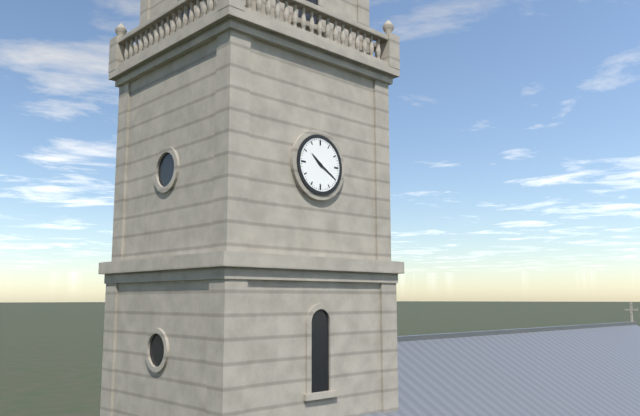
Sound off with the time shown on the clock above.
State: 10:20
